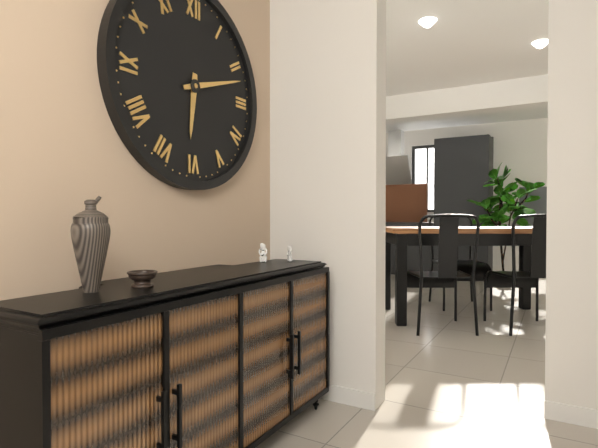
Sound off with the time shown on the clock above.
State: 6:12
